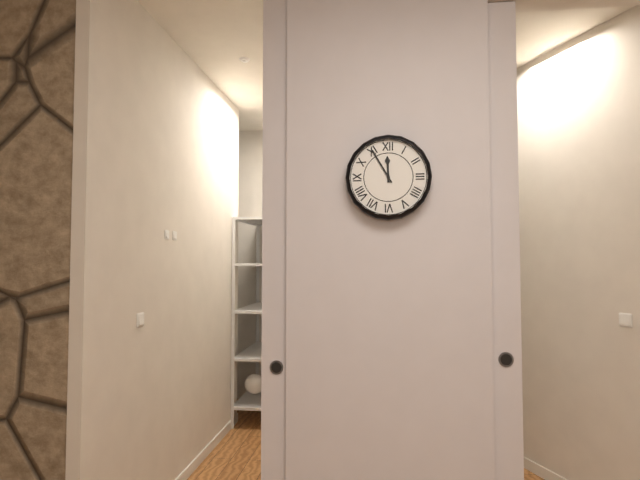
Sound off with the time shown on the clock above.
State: 11:55
